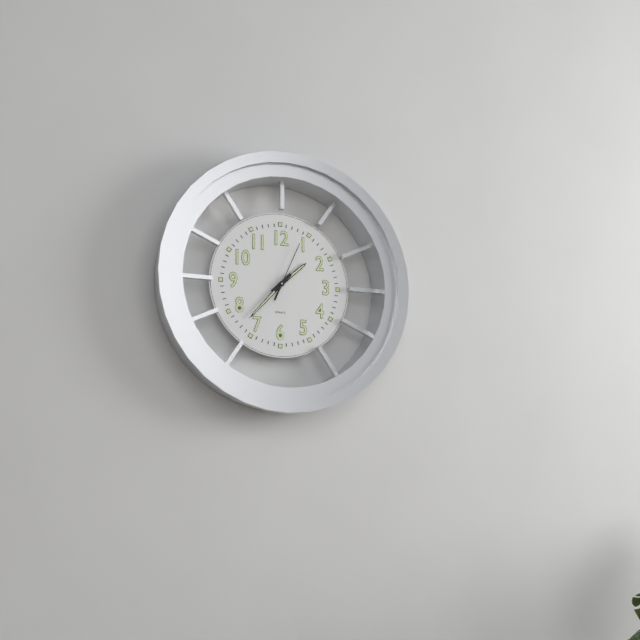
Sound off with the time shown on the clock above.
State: 1:37:04
